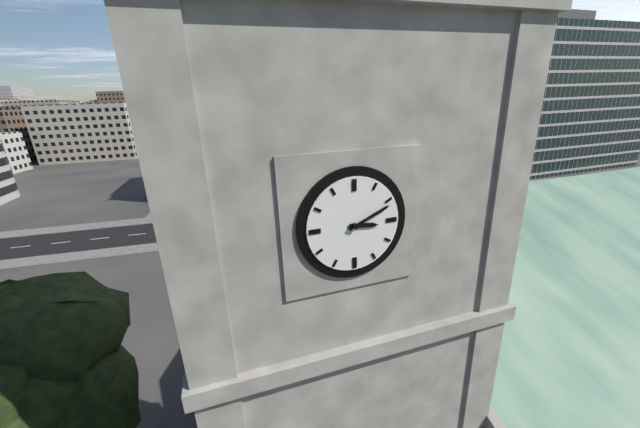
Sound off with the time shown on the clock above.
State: 3:11
